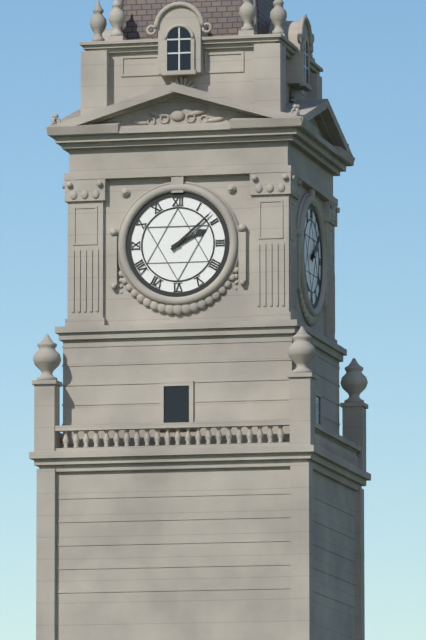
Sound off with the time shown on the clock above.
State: 2:08
